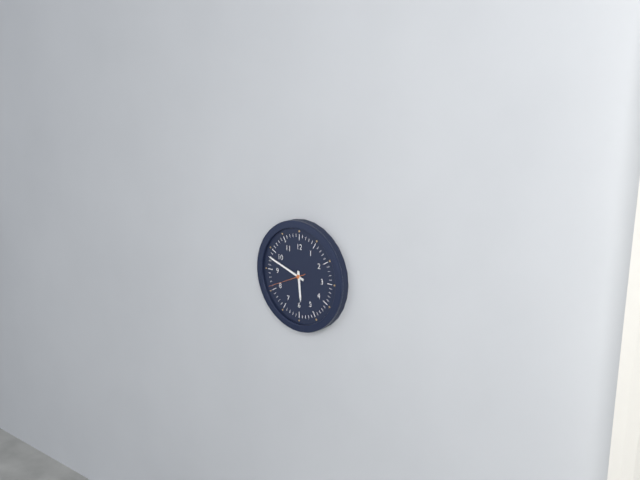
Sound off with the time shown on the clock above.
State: 5:48
